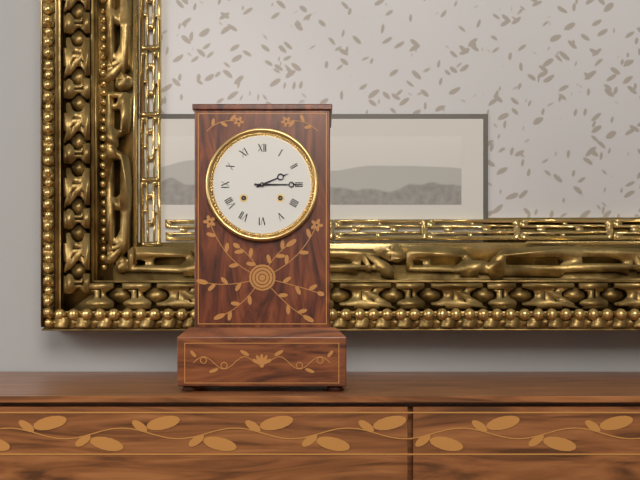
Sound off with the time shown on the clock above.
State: 2:15
